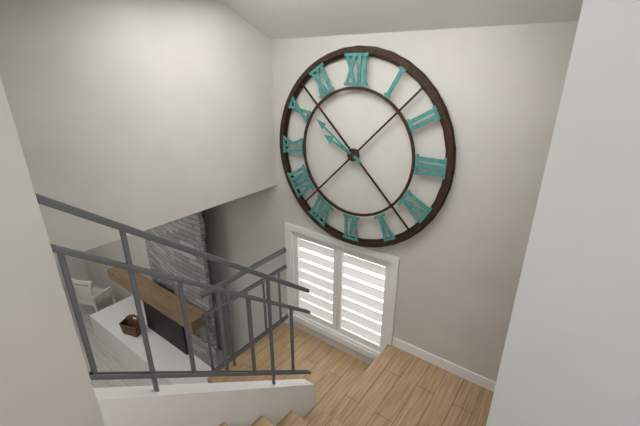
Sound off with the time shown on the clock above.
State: 9:51
